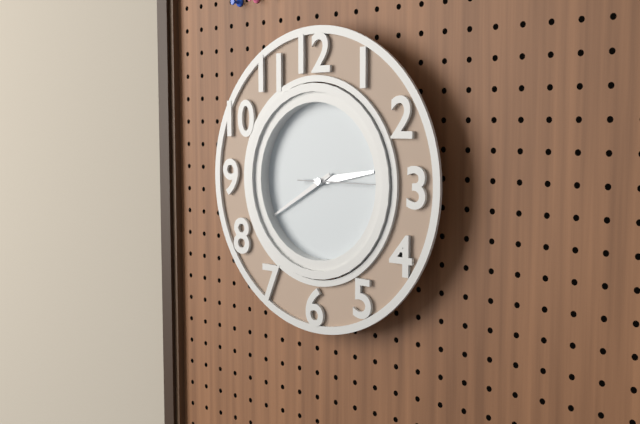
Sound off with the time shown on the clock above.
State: 2:40:15
